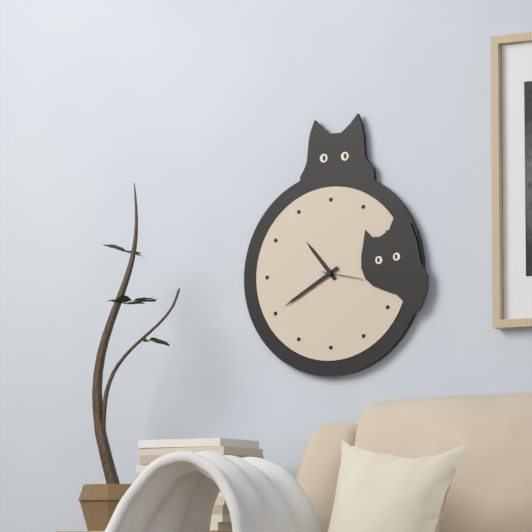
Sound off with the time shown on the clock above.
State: 10:40
